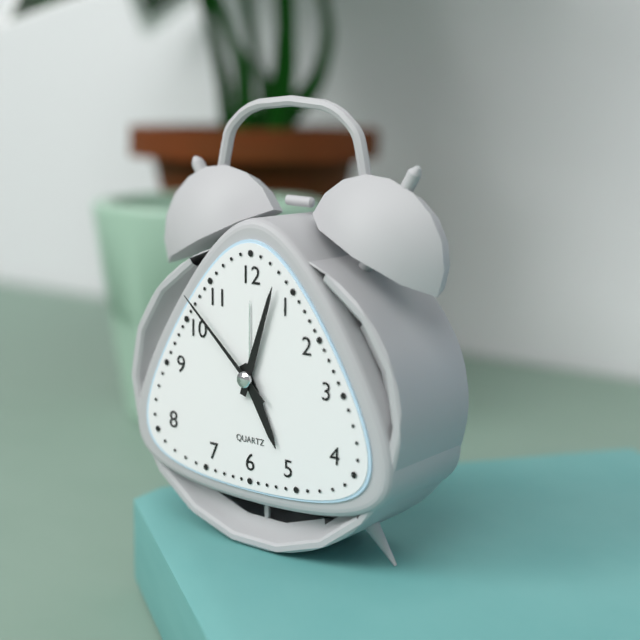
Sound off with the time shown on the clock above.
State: 5:03:52
